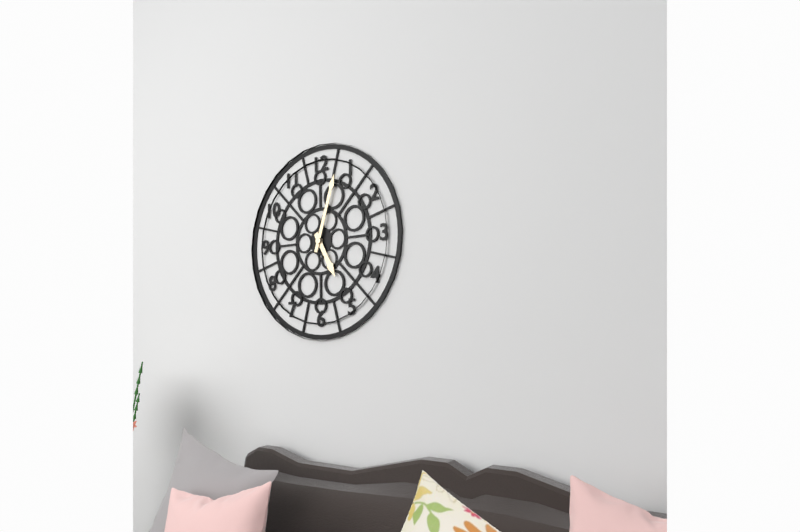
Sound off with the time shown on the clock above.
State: 5:03
